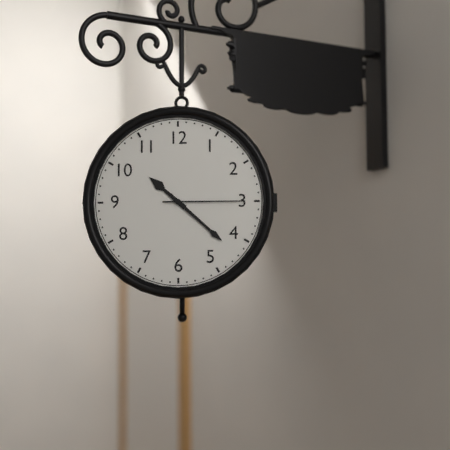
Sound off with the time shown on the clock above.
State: 10:22:15
